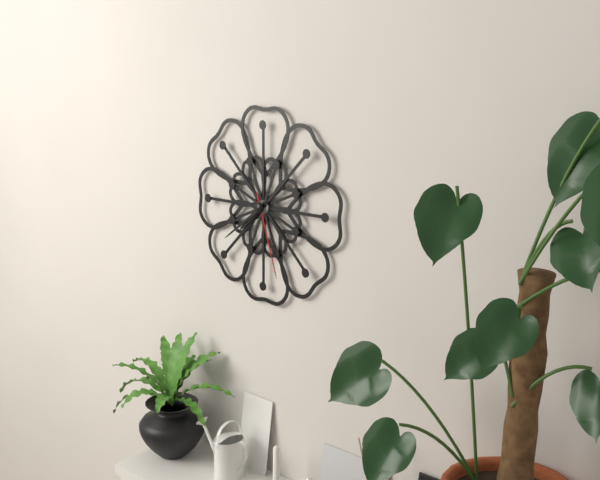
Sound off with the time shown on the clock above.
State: 7:39:27
